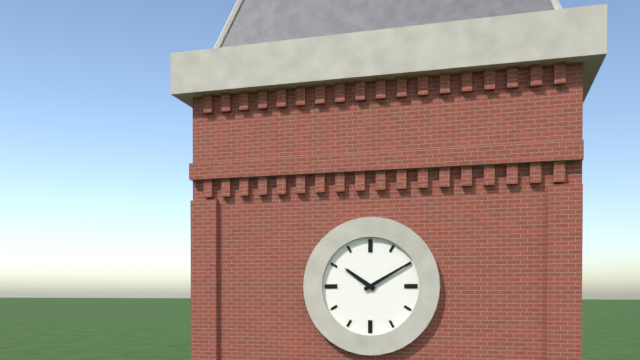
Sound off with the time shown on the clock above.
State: 10:10
